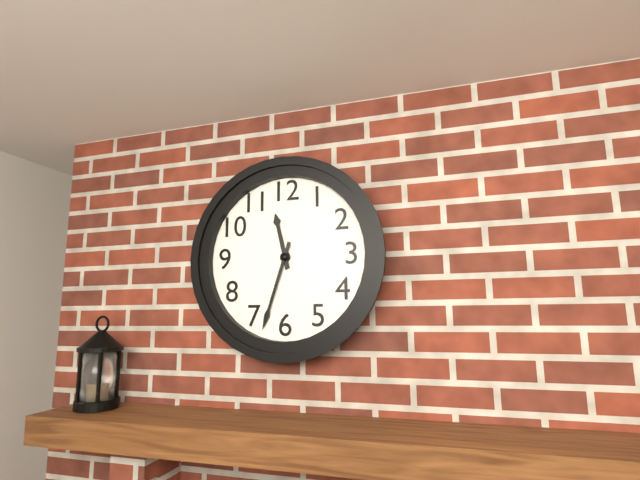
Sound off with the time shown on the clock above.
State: 11:33
